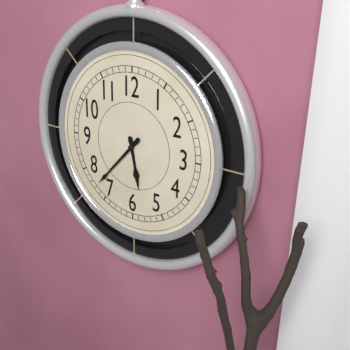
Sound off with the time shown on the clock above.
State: 5:37
